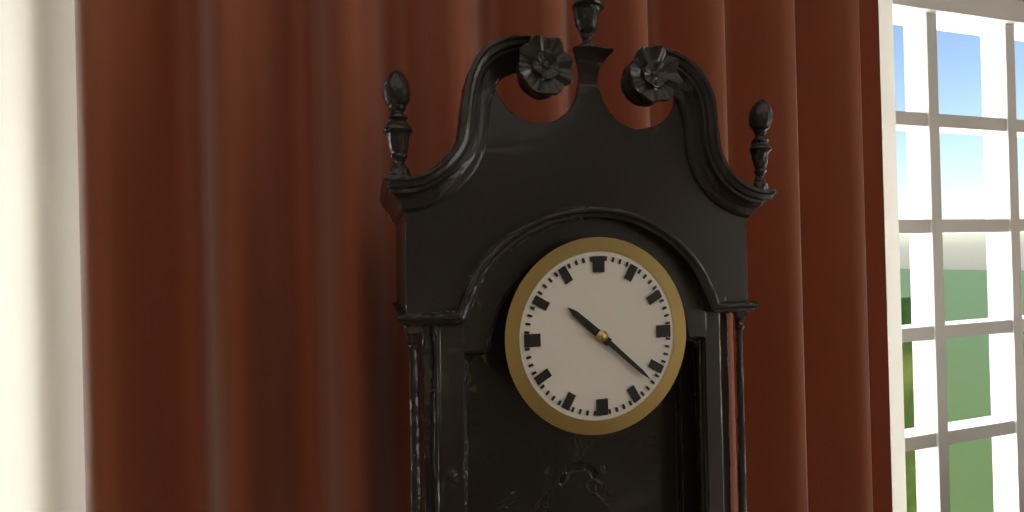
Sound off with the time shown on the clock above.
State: 10:22
